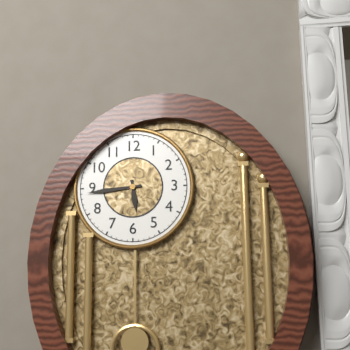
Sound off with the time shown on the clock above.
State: 5:44
